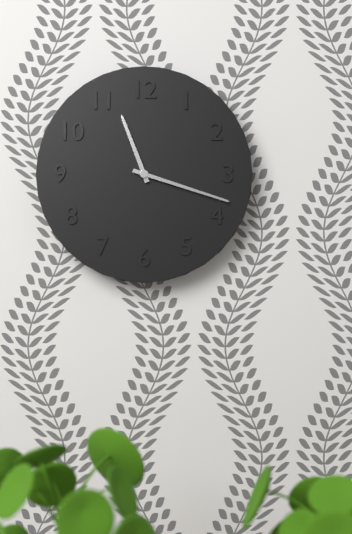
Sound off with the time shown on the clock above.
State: 11:18
